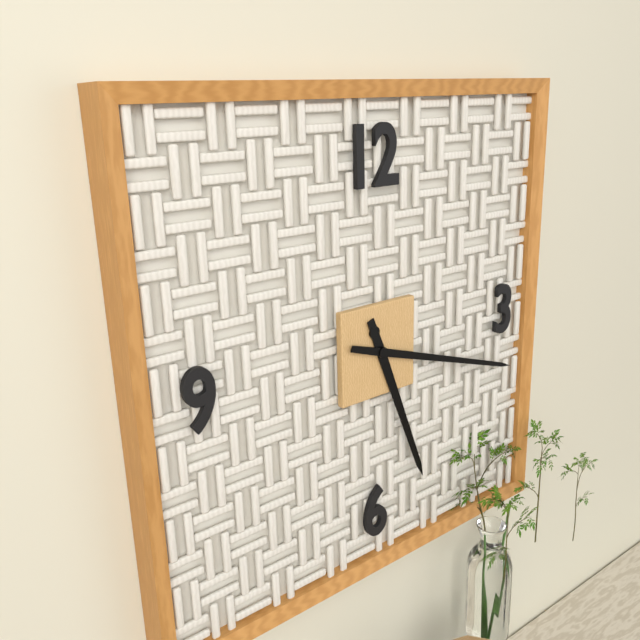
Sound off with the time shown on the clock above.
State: 5:18
